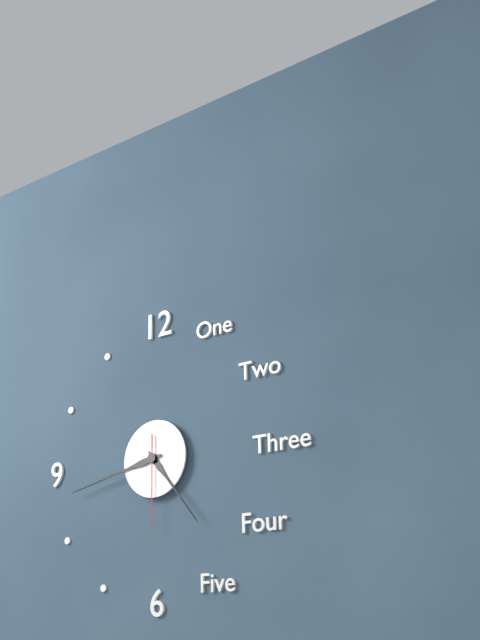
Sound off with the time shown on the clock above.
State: 4:43:30
